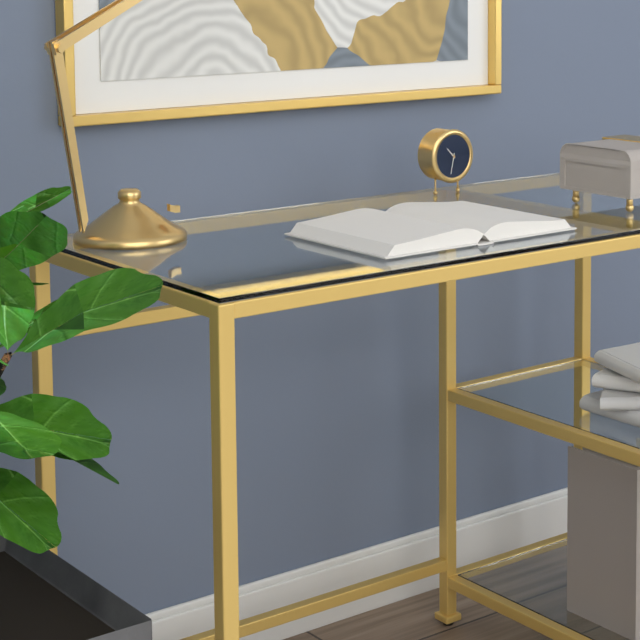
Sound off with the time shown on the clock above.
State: 10:32
